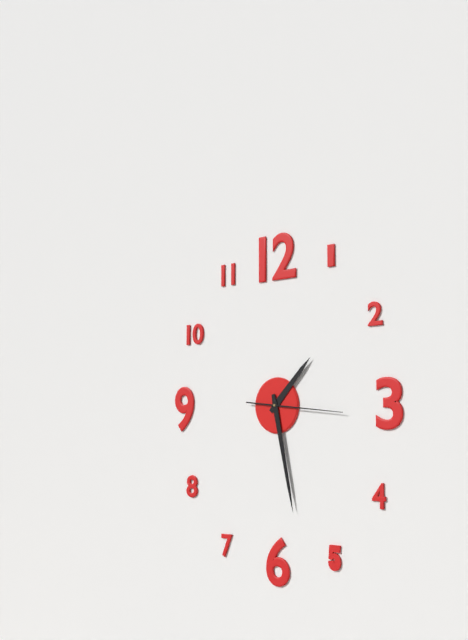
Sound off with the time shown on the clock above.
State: 1:28:16
